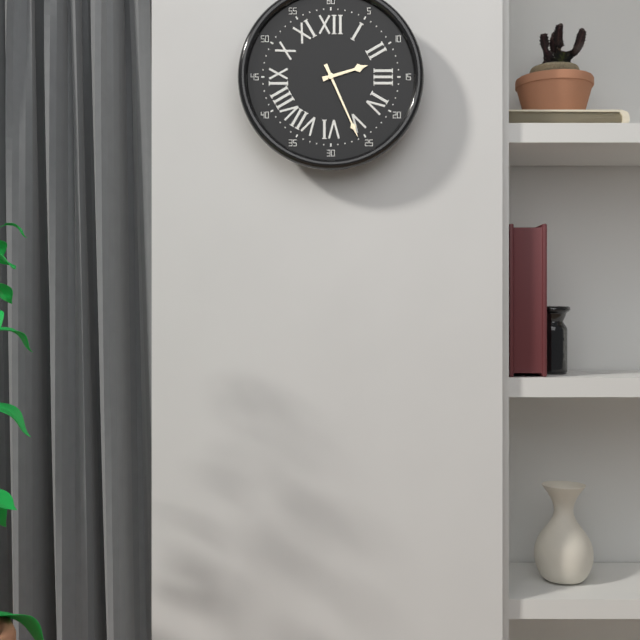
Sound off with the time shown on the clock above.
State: 2:26
